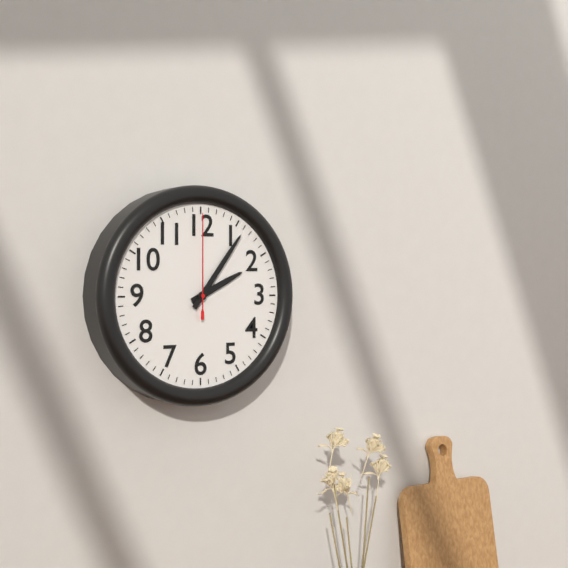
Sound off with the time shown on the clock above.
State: 2:06:00
